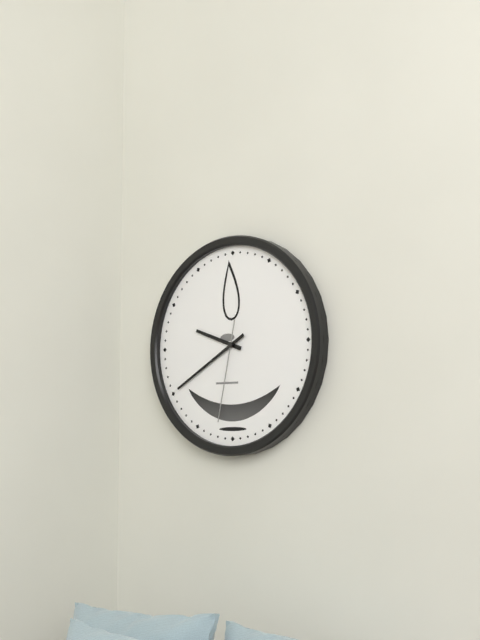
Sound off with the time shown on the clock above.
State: 9:40:32
